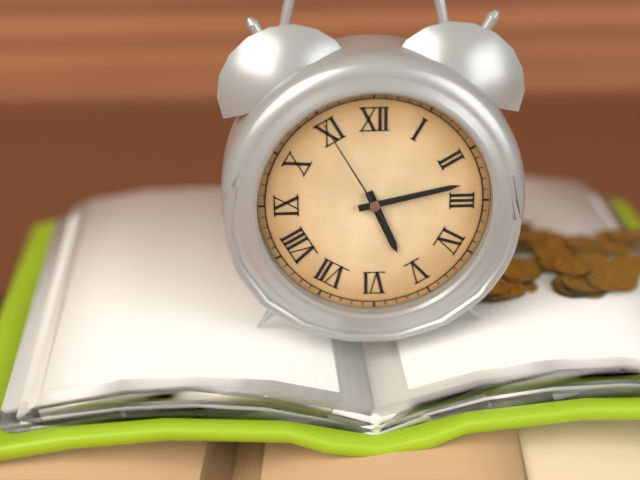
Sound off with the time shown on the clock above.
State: 5:13:55
